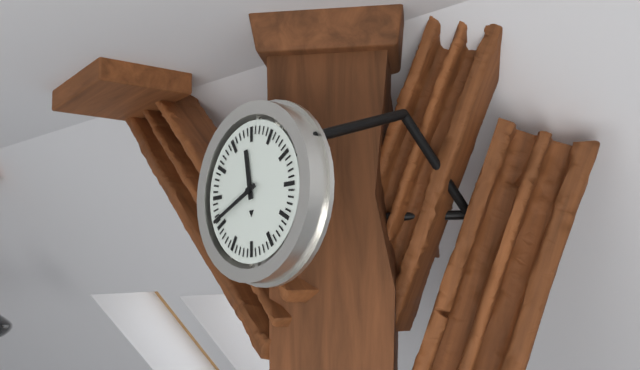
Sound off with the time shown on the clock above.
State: 11:41
